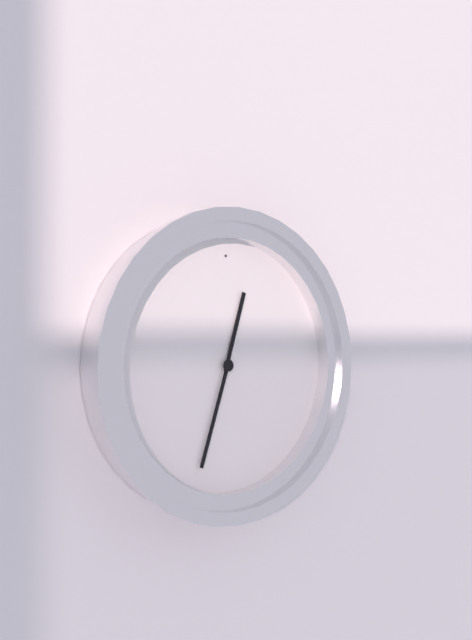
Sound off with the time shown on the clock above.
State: 12:33
